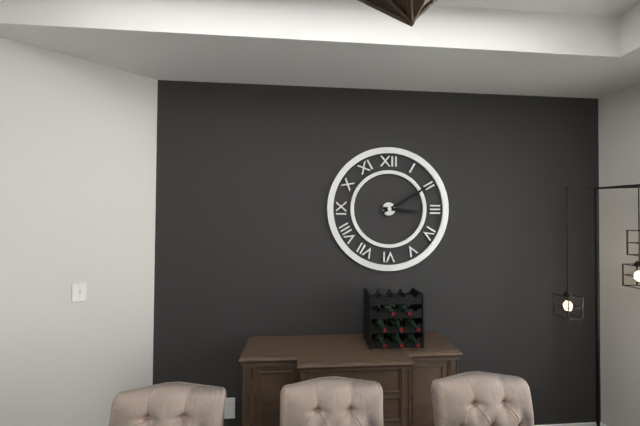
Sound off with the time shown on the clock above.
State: 3:10
